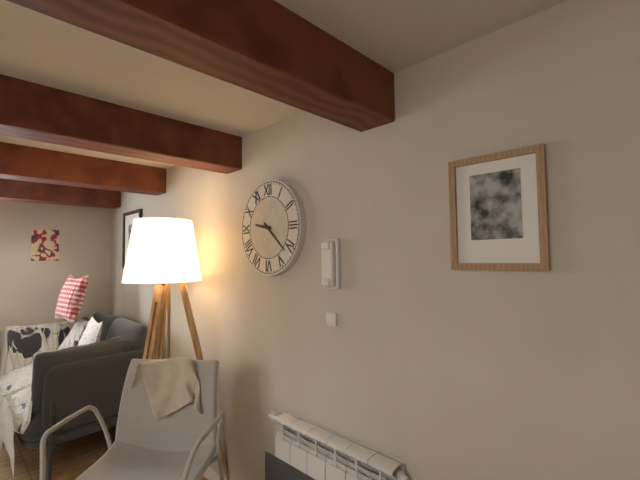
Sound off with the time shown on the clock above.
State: 9:22
